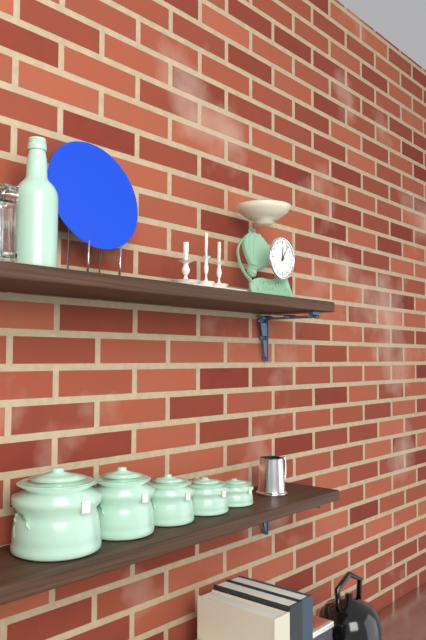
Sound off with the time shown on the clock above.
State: 12:06
